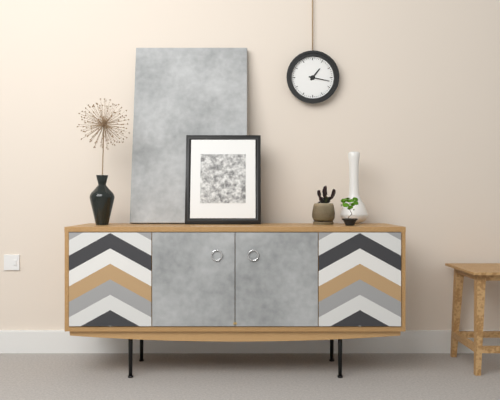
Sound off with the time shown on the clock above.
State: 1:17
